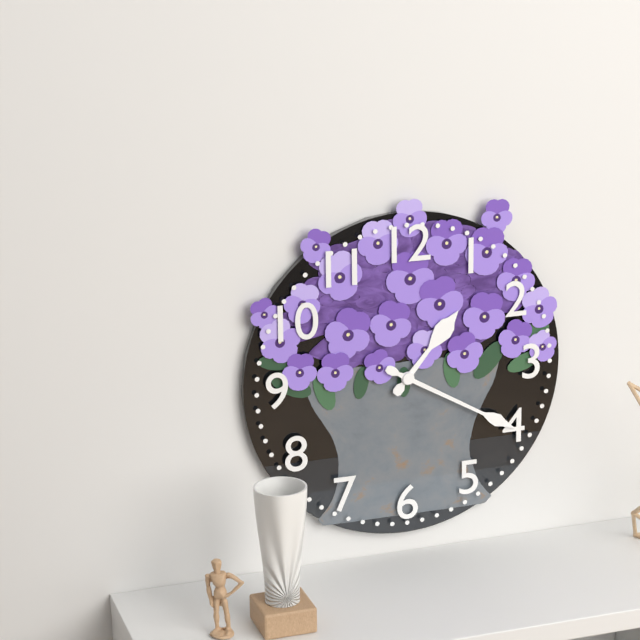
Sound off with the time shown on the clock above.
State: 1:20
